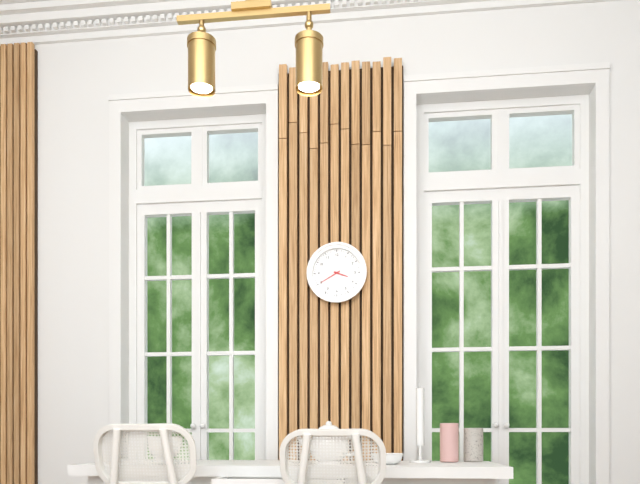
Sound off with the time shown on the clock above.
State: 3:40
